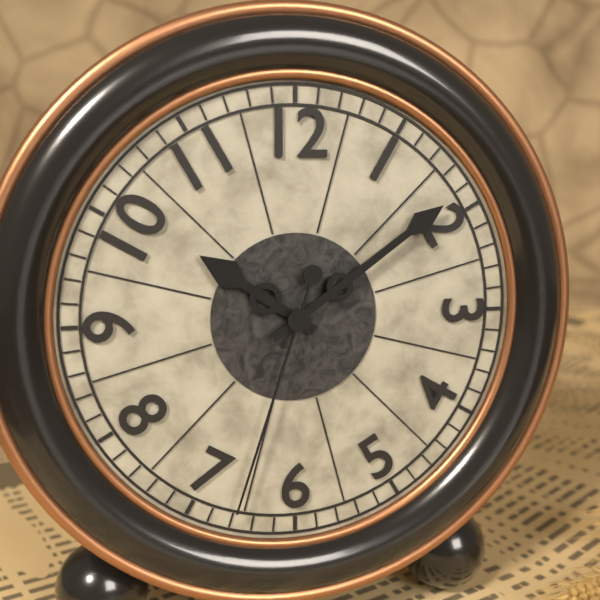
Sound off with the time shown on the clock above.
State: 10:09:33
